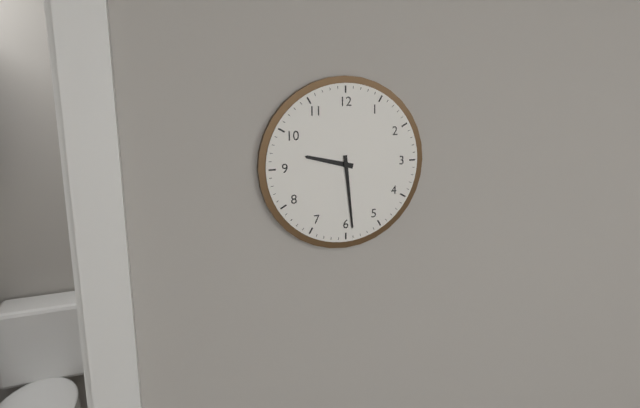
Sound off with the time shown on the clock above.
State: 9:29
